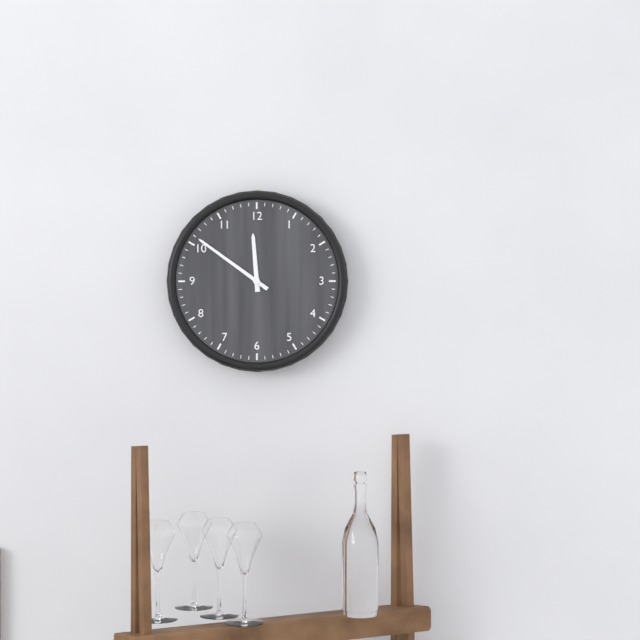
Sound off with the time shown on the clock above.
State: 11:51
